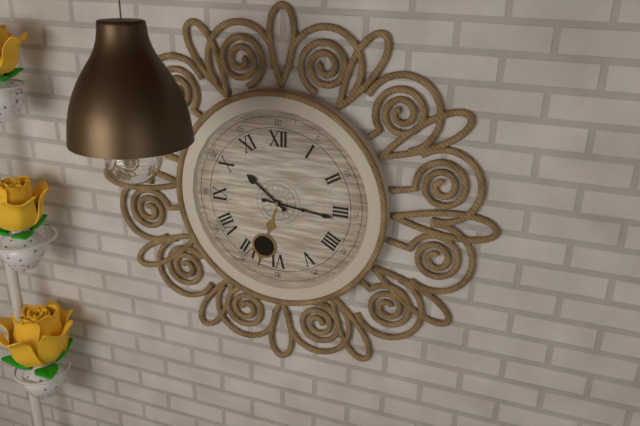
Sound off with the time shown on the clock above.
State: 10:16
